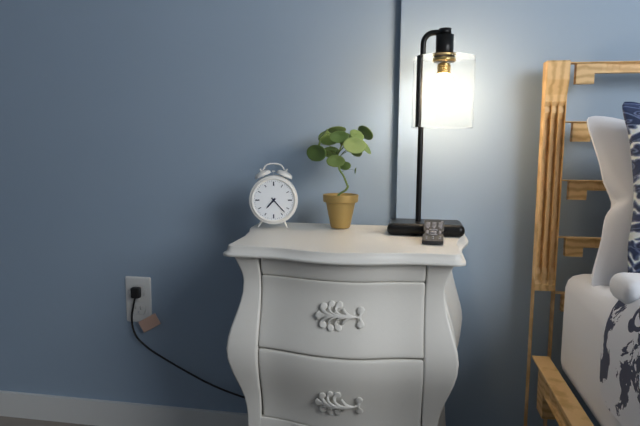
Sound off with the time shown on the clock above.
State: 7:23
